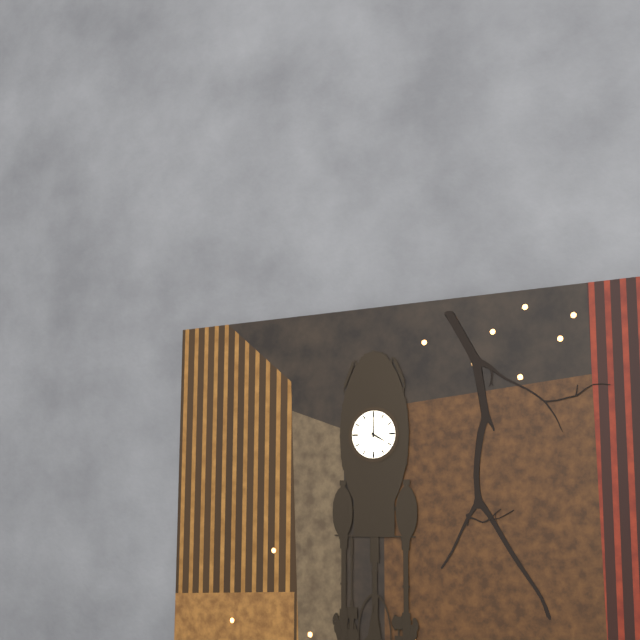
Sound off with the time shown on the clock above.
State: 4:00
